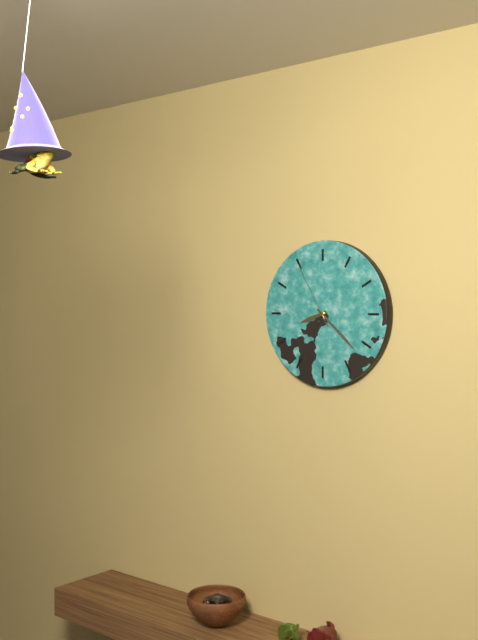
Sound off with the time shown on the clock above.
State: 8:22:55
